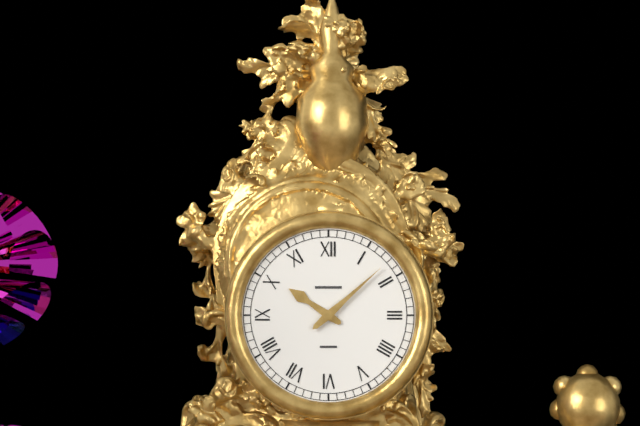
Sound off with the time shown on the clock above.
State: 10:08
